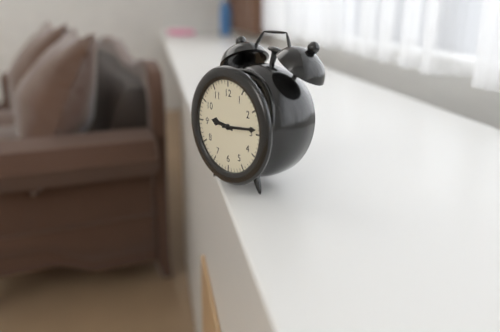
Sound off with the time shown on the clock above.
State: 9:14
